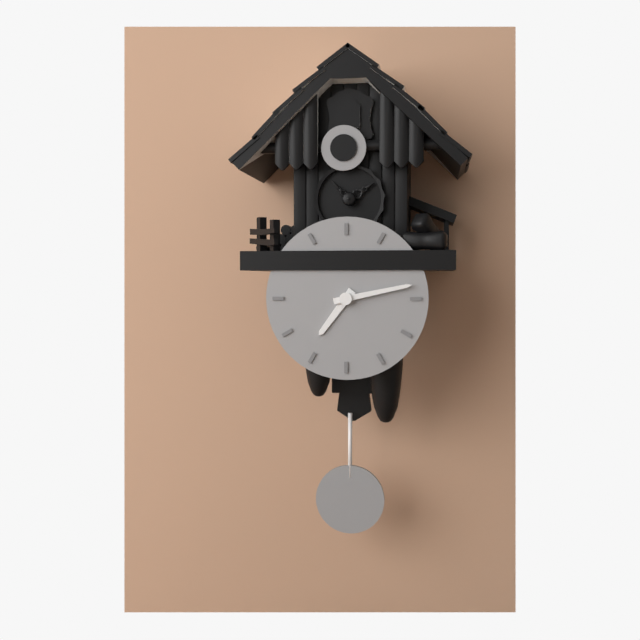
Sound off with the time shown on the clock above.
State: 7:13
